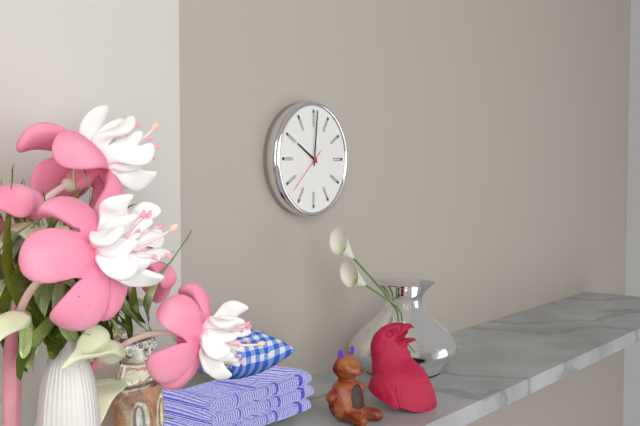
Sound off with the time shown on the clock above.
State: 10:01
